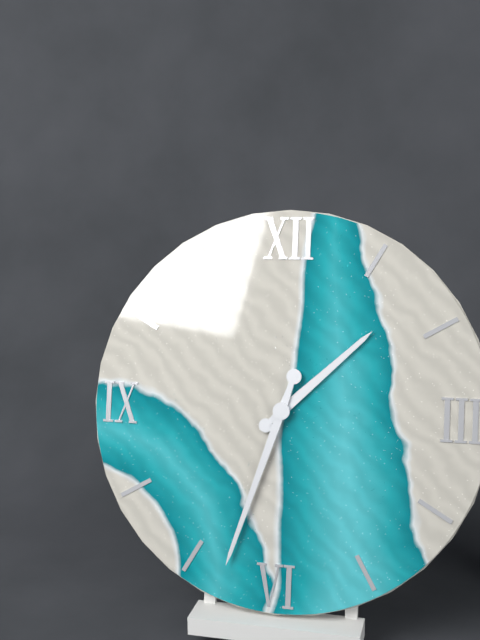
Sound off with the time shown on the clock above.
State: 1:33
